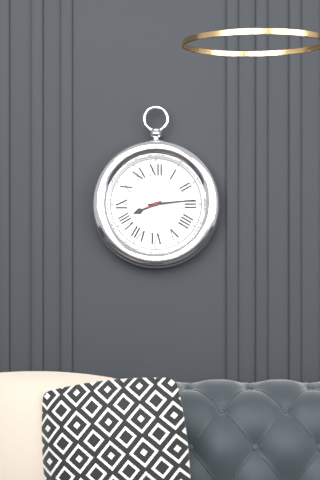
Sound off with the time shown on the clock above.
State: 8:14:11
